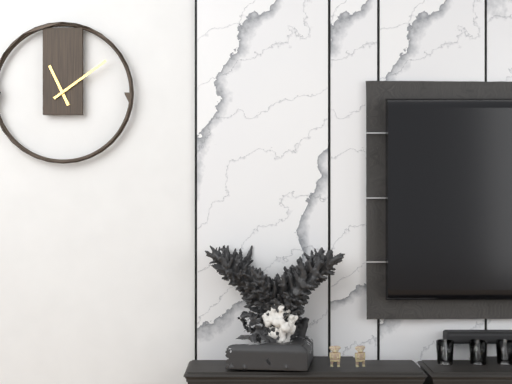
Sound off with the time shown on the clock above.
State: 11:09
